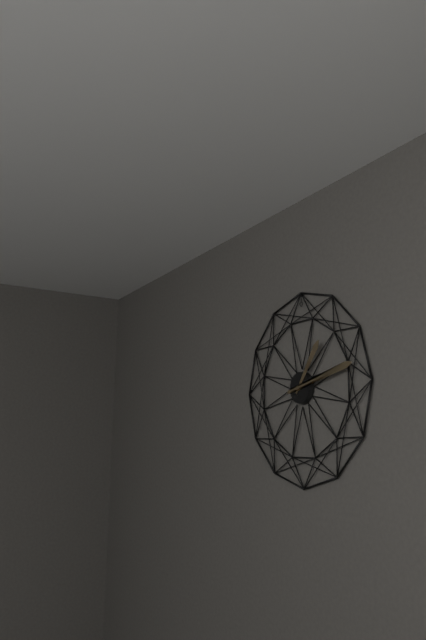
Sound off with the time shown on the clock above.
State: 1:13
